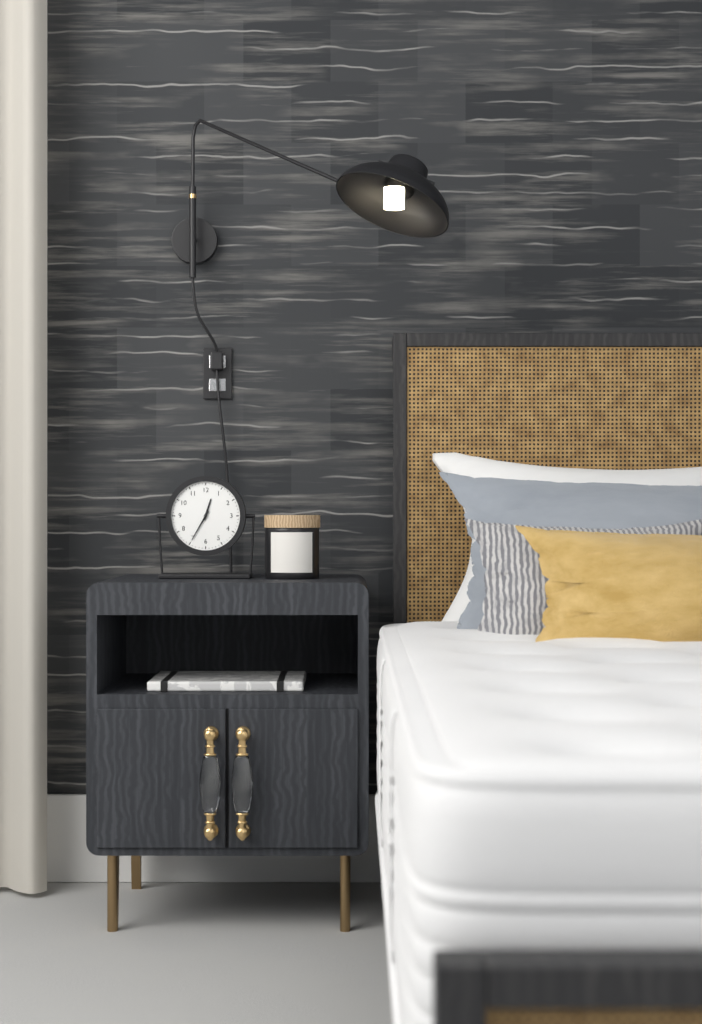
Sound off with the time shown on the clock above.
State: 12:35
